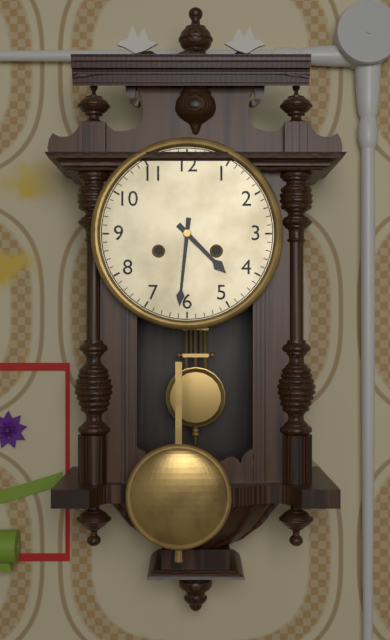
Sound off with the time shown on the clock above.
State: 4:31
